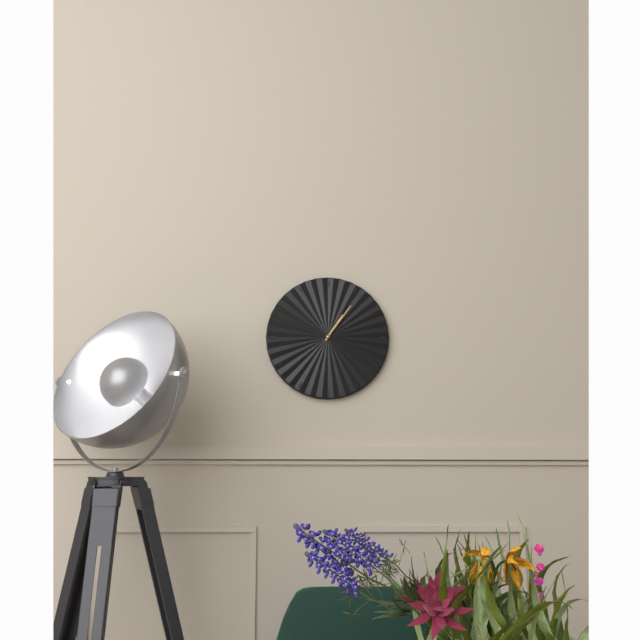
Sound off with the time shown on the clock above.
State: 1:06
